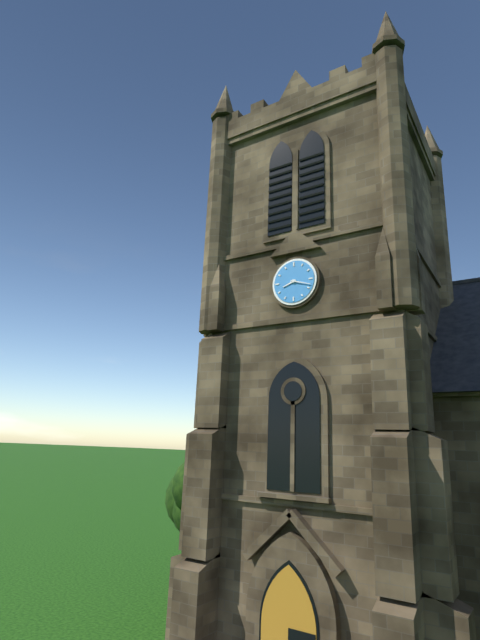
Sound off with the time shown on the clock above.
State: 8:18
